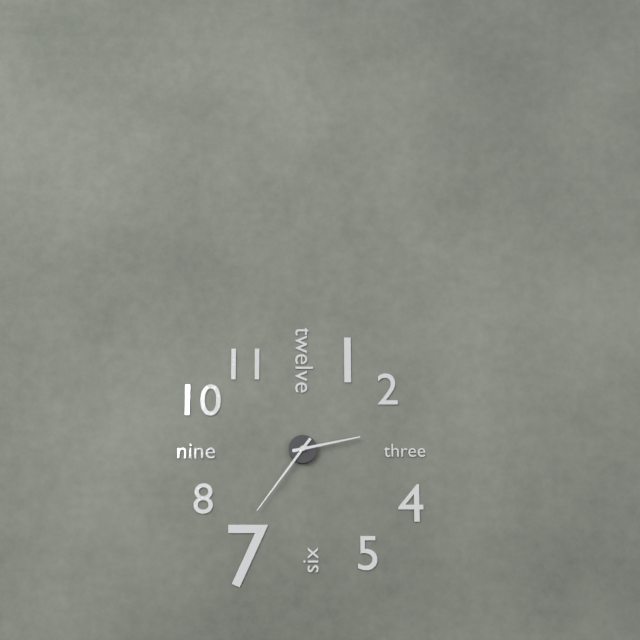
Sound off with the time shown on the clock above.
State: 2:36
